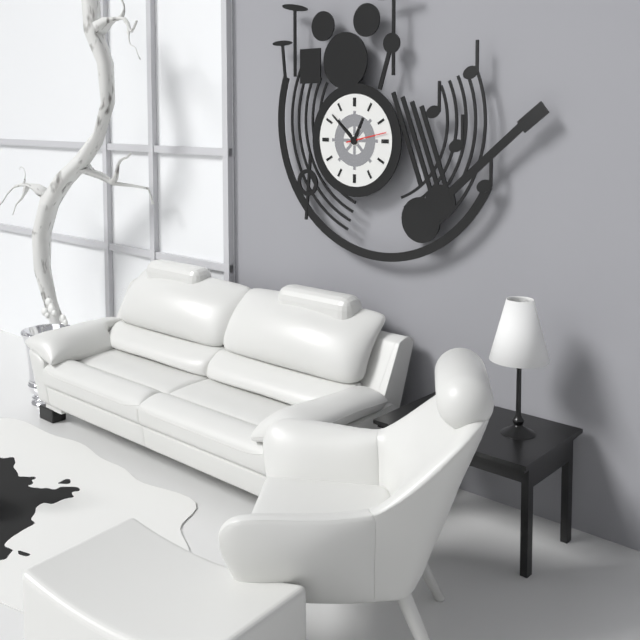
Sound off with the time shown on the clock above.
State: 12:52
